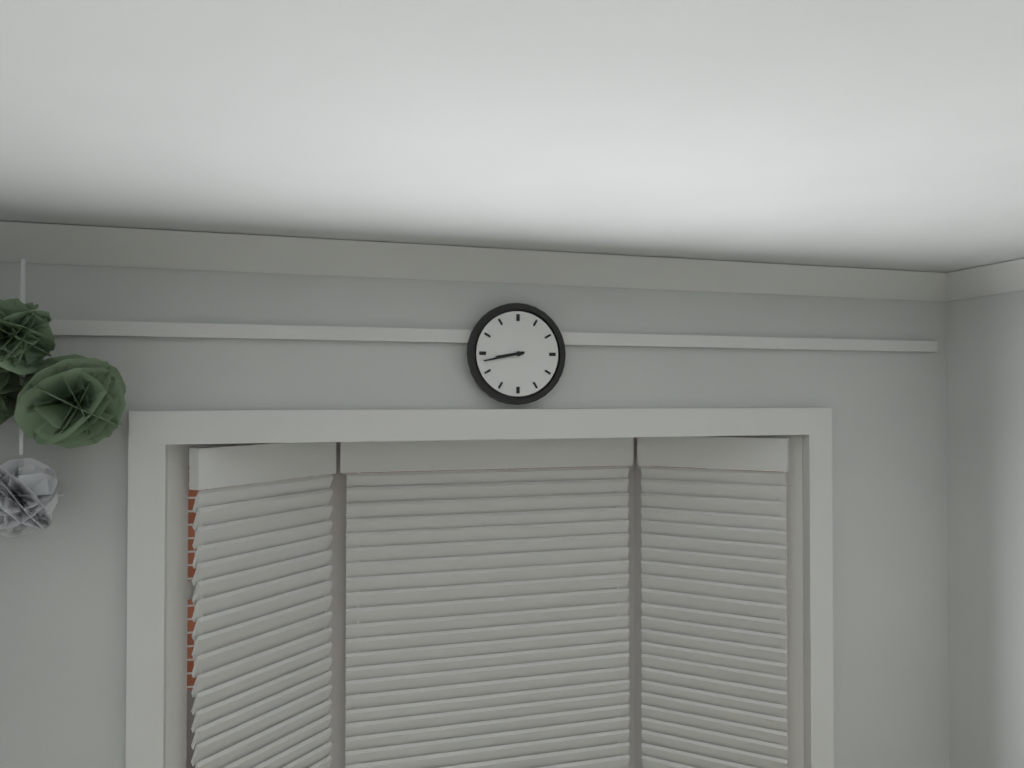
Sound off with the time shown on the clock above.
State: 8:43
